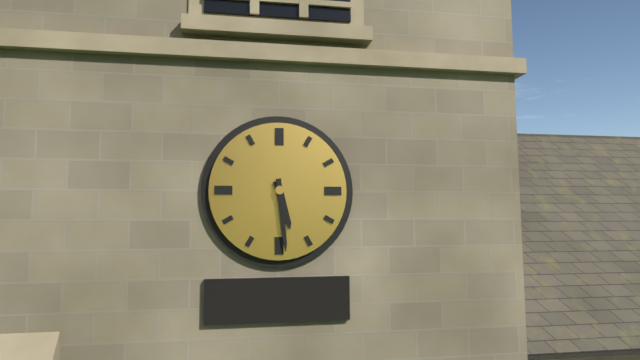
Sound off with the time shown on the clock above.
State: 5:29
